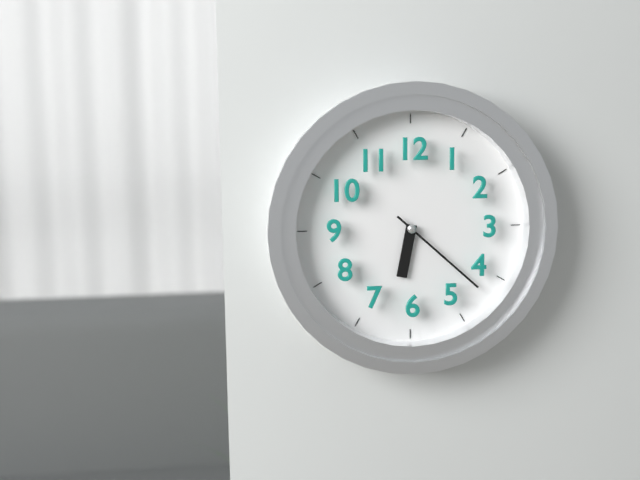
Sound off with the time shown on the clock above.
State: 6:22
